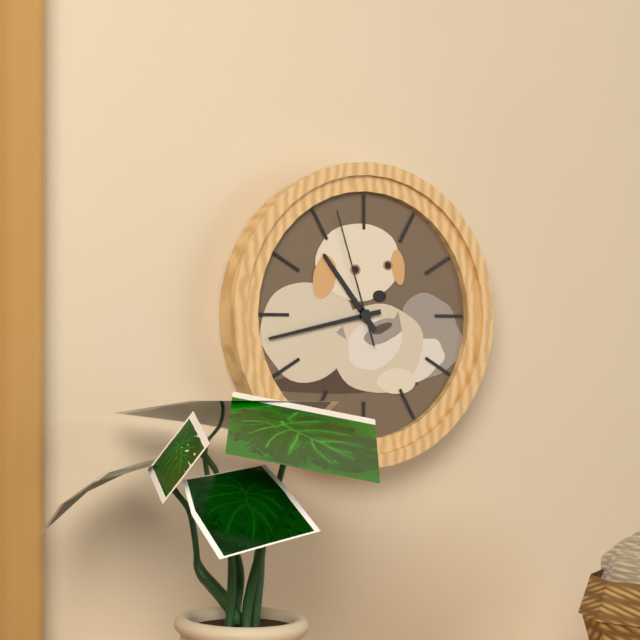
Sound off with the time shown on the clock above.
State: 10:43:57
